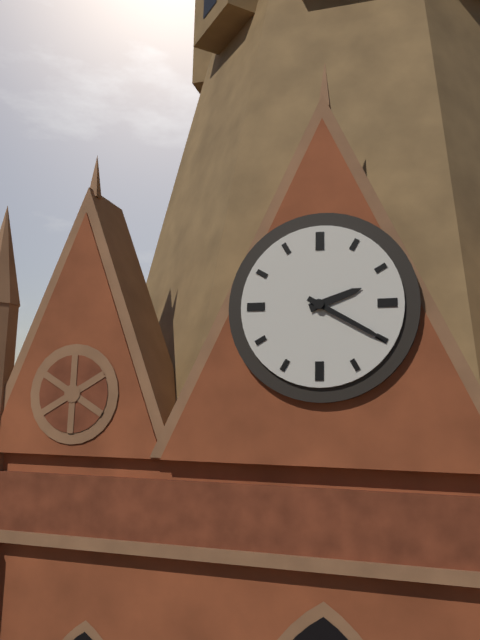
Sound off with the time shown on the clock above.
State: 2:20
